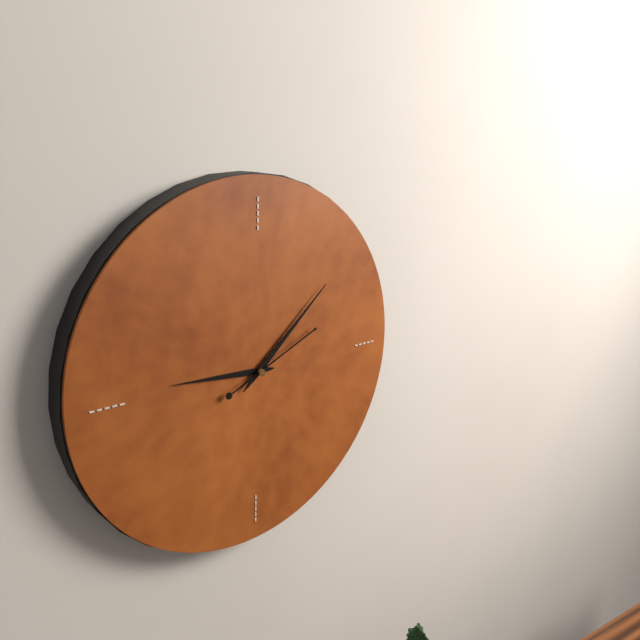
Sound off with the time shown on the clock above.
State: 9:08:11
